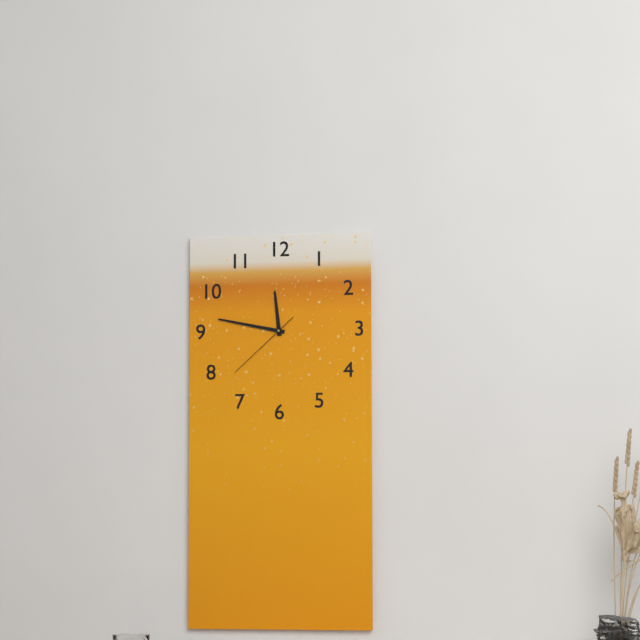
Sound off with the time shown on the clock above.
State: 11:47:38
